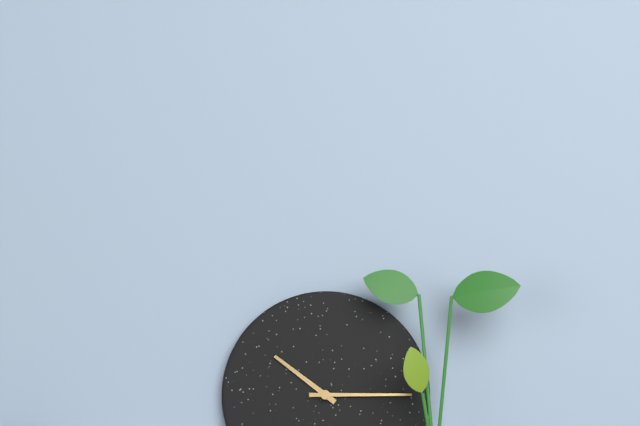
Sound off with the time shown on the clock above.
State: 10:15
